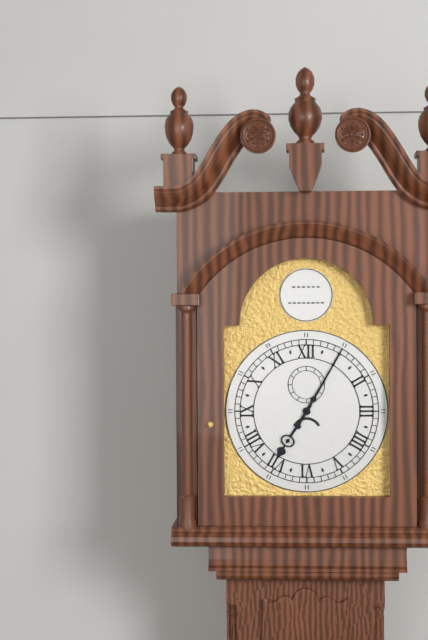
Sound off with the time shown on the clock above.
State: 7:05
